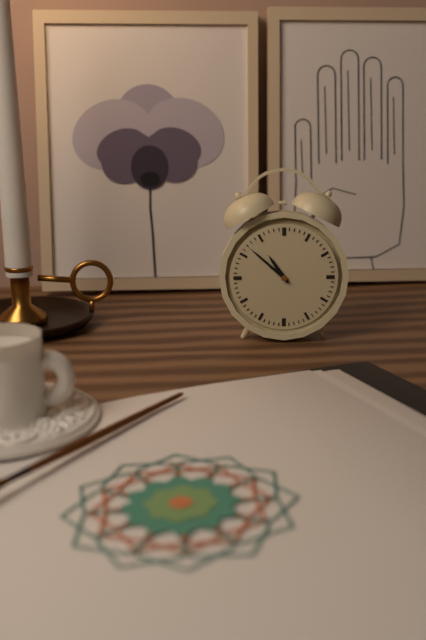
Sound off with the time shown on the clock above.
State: 10:52
